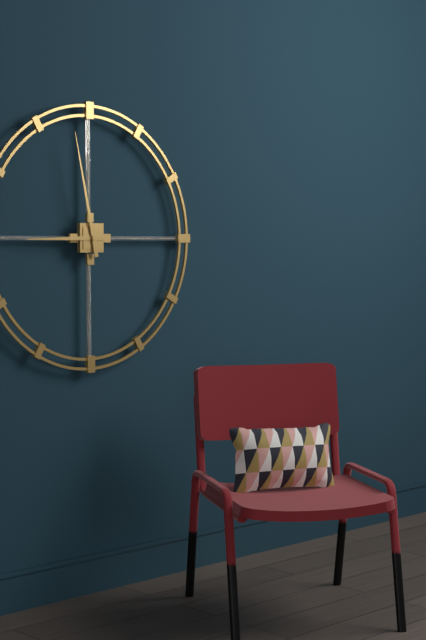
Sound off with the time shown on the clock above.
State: 8:58
